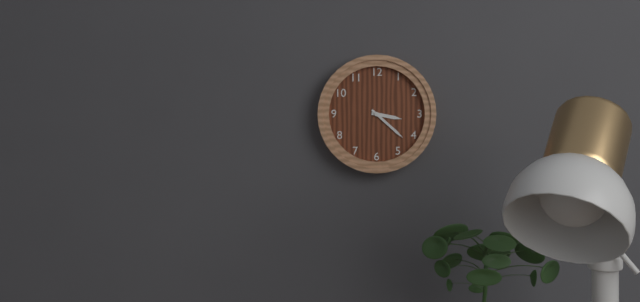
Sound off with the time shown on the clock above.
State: 3:22
